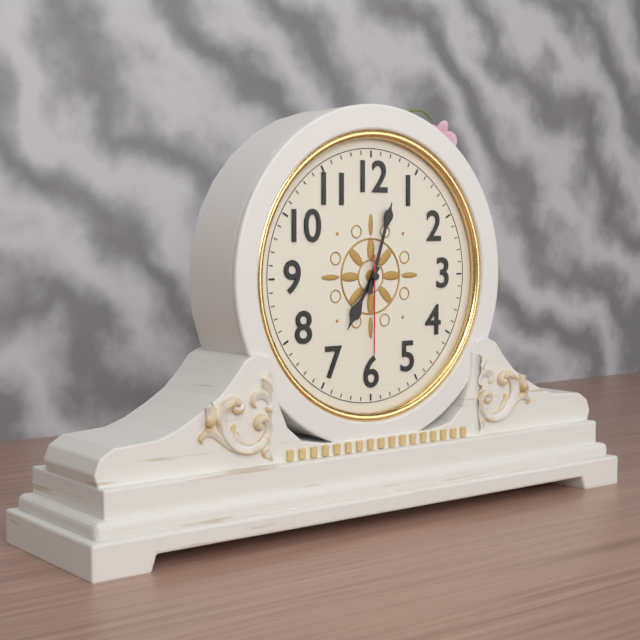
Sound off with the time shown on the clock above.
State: 7:03:30
